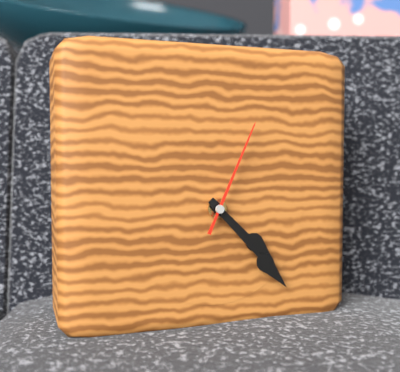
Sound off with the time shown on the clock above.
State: 4:23:04
